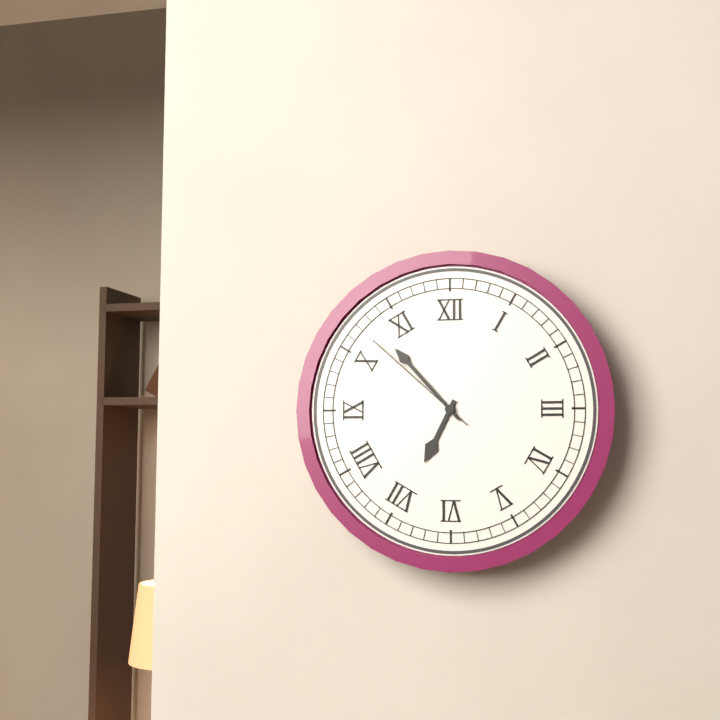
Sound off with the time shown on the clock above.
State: 6:53:52
